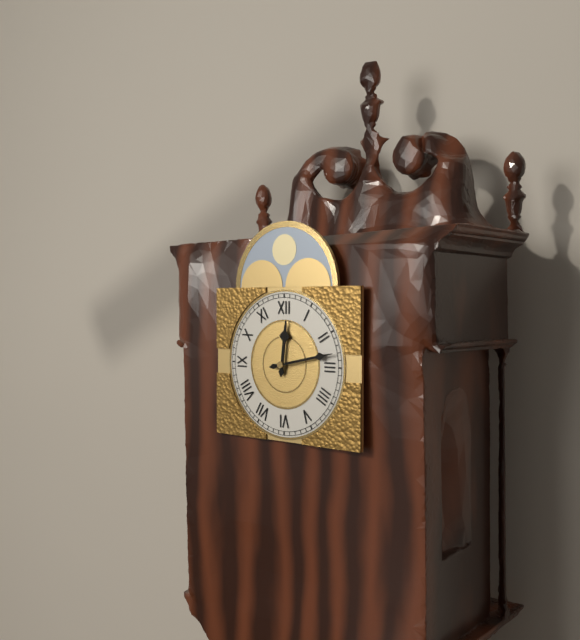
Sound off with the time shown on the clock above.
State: 12:13
